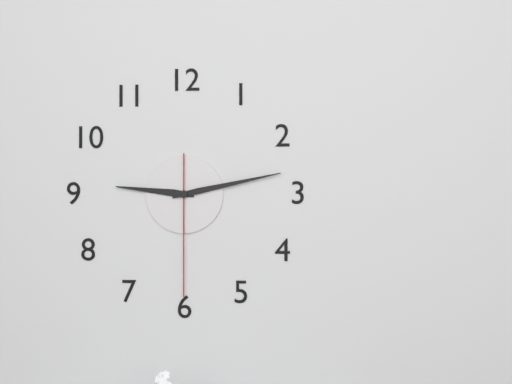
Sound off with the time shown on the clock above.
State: 9:13:30
